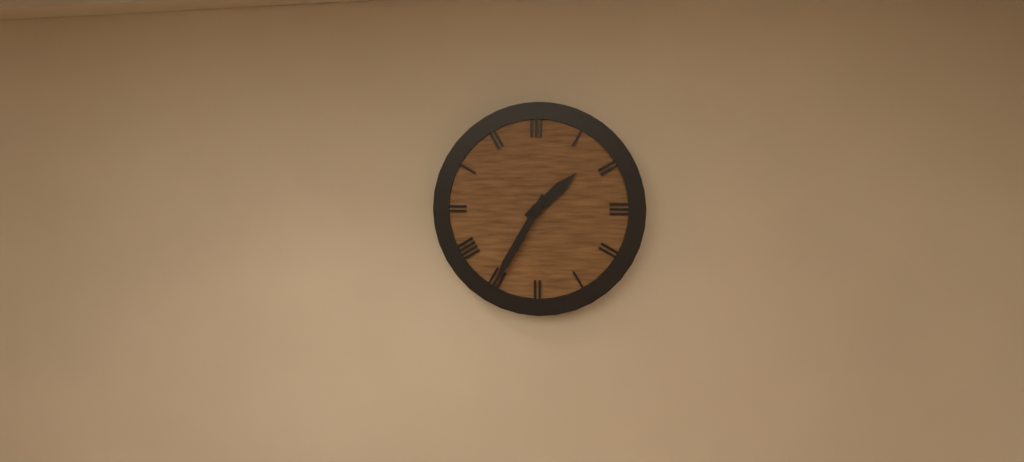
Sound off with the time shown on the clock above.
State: 1:35
